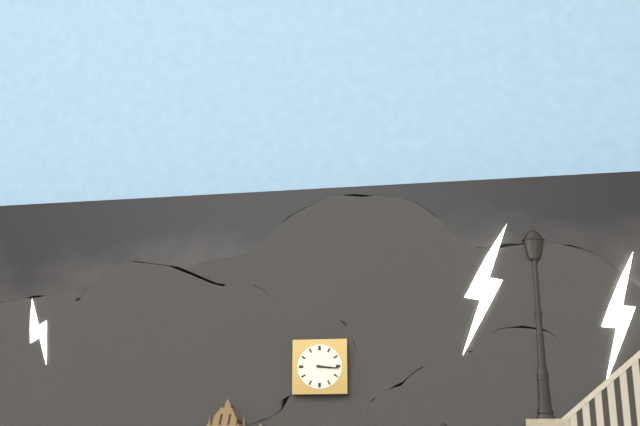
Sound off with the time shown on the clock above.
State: 3:16
